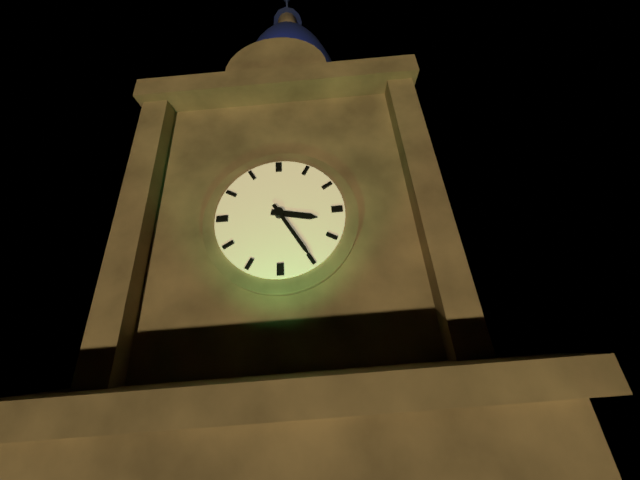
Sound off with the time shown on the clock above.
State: 3:25
